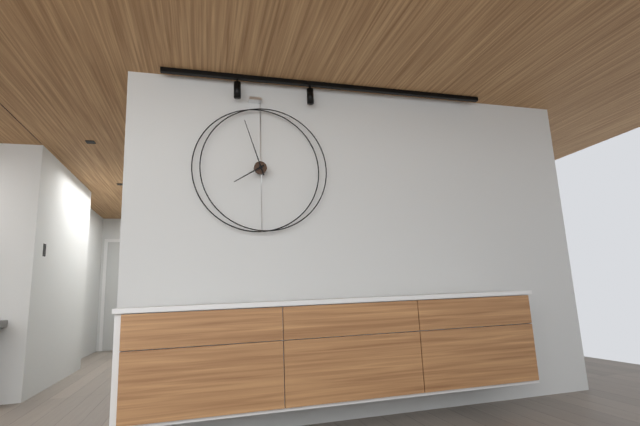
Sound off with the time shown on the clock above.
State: 7:57
